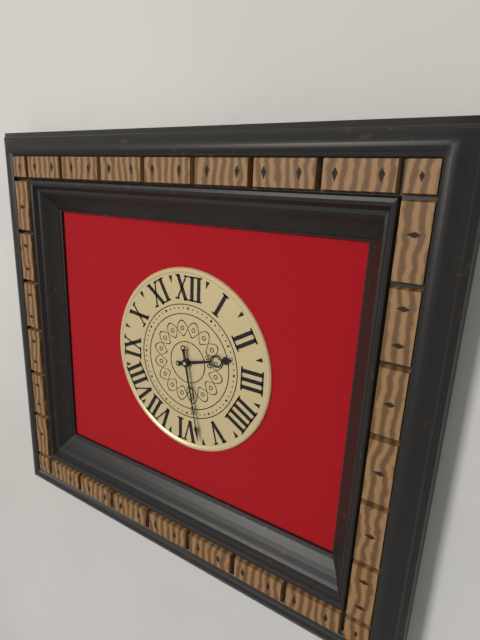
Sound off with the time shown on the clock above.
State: 2:28
